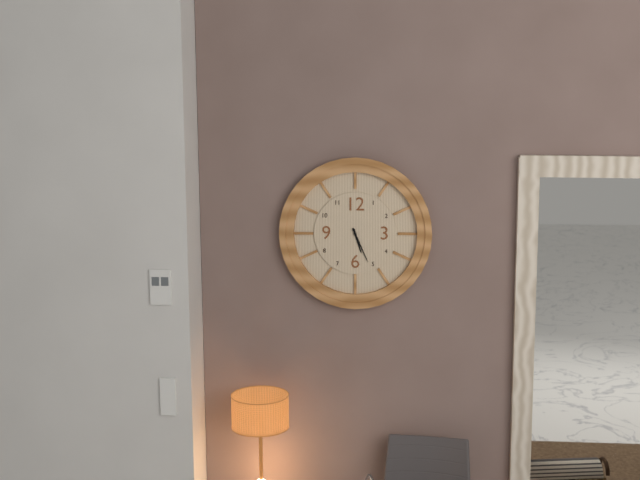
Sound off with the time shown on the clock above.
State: 5:26
